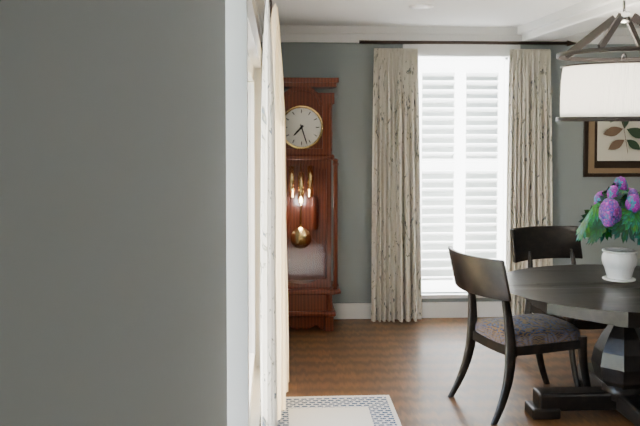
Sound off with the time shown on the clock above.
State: 7:27
